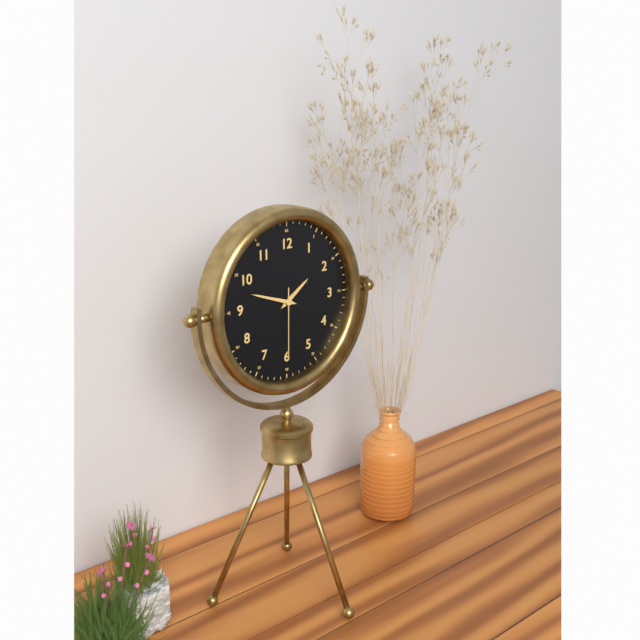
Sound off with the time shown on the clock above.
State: 1:48:30
